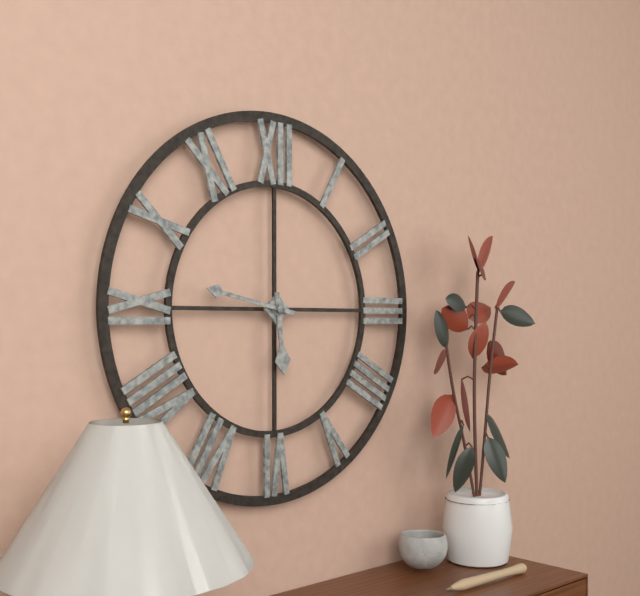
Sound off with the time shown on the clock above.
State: 5:47
